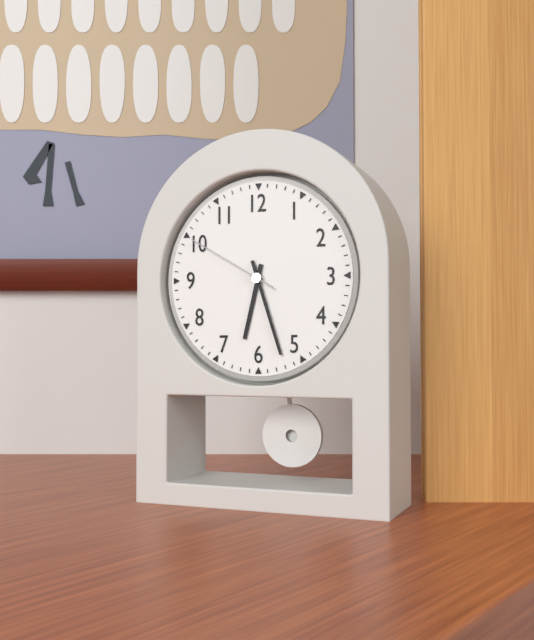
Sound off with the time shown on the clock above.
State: 6:27:50
